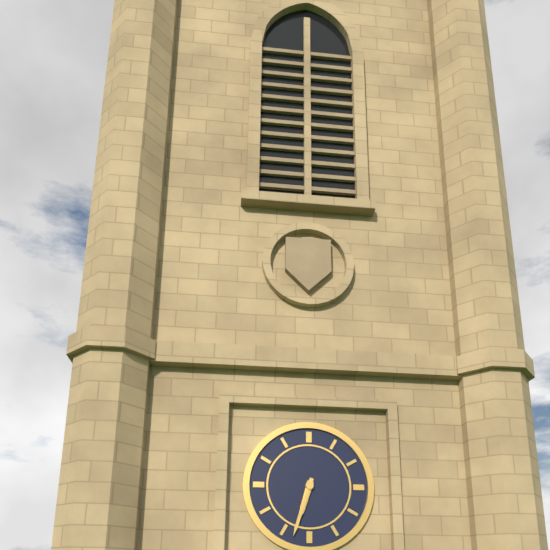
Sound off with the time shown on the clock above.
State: 6:33
